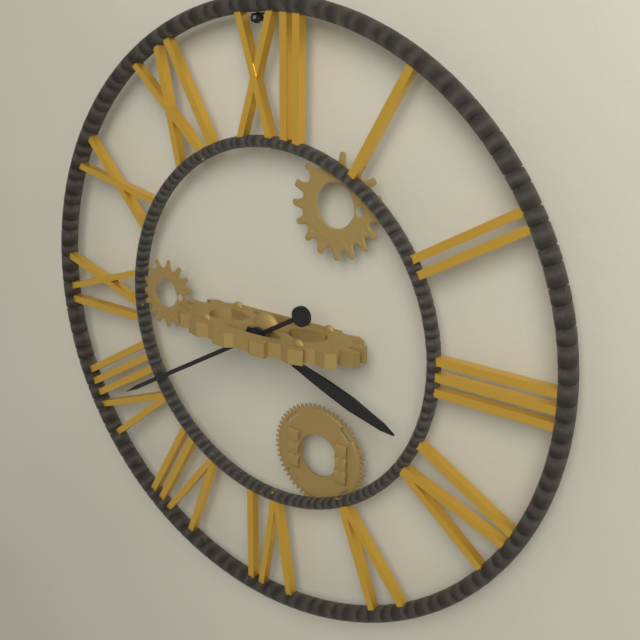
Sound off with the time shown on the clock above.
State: 3:40
